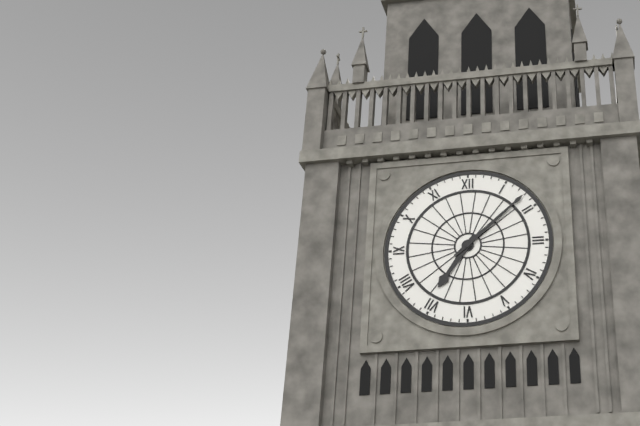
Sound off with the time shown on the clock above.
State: 7:08
